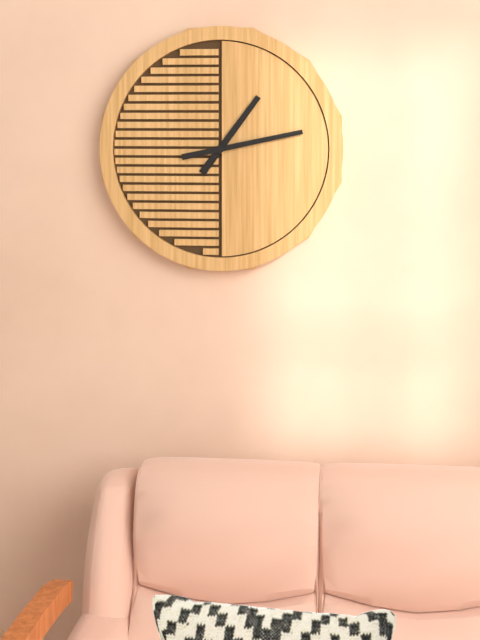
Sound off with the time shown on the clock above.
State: 1:13
